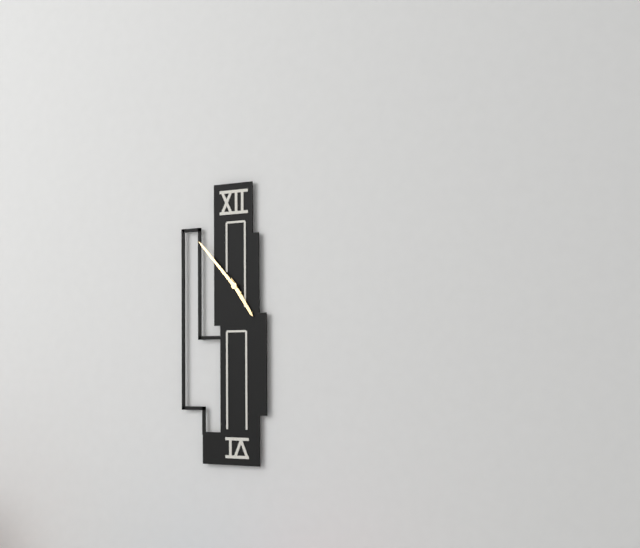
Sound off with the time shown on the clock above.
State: 4:53
